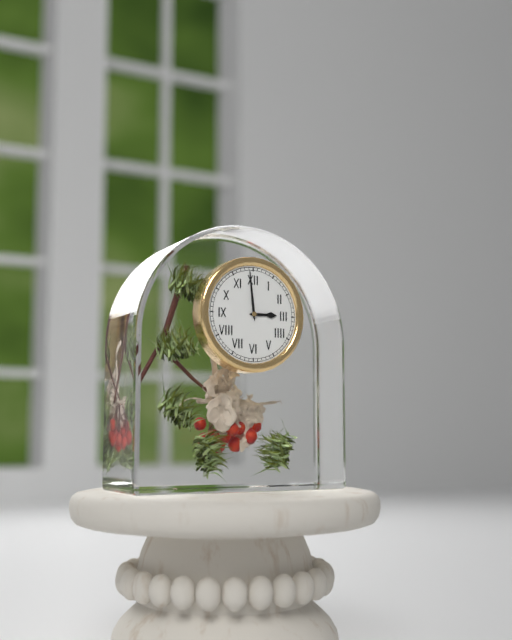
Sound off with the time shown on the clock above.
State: 2:59
